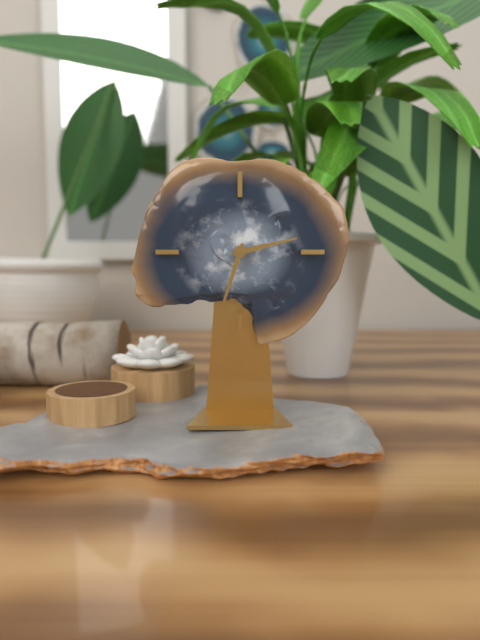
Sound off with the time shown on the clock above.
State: 2:33
